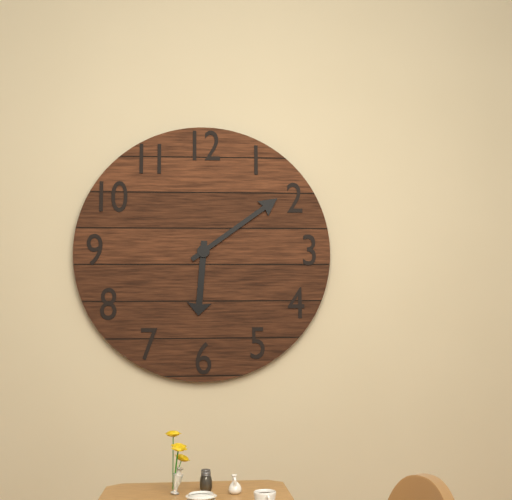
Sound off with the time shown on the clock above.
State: 6:09
